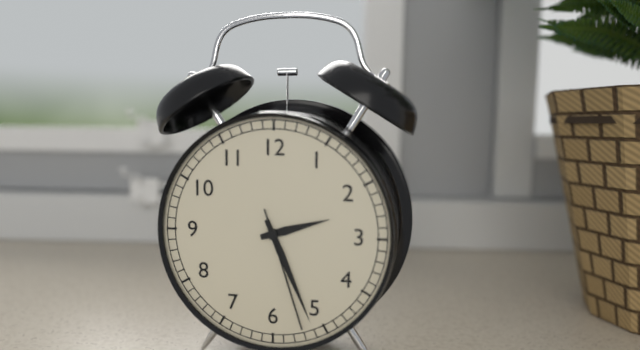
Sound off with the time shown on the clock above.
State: 2:26:27
